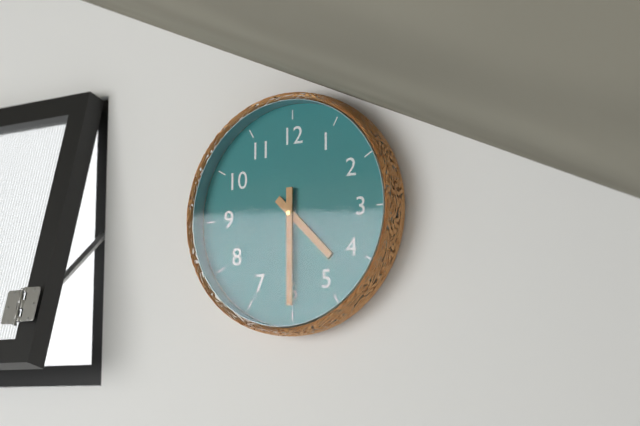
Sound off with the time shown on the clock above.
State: 4:30
